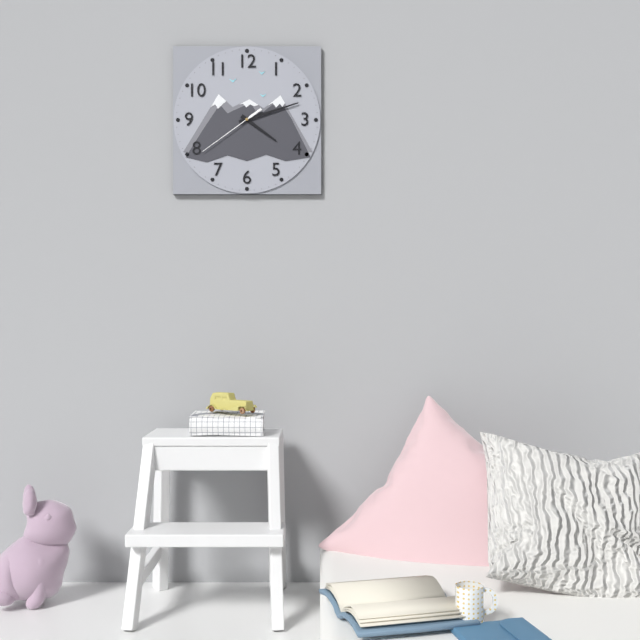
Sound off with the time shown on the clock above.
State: 4:12:39
